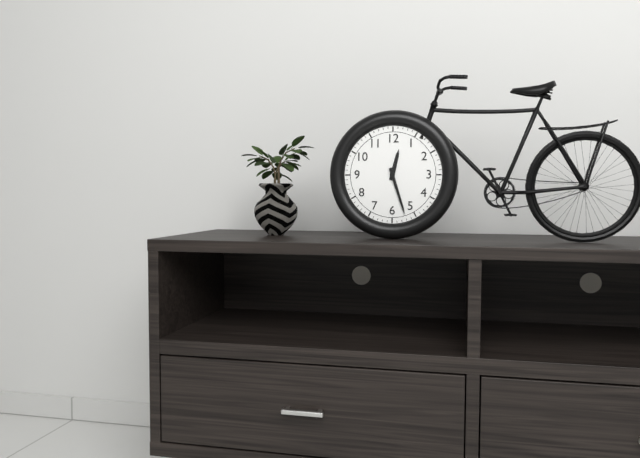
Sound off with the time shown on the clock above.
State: 12:27
